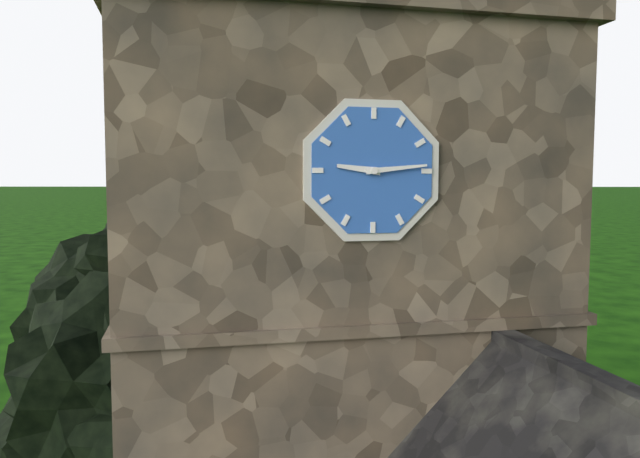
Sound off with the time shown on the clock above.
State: 9:14
